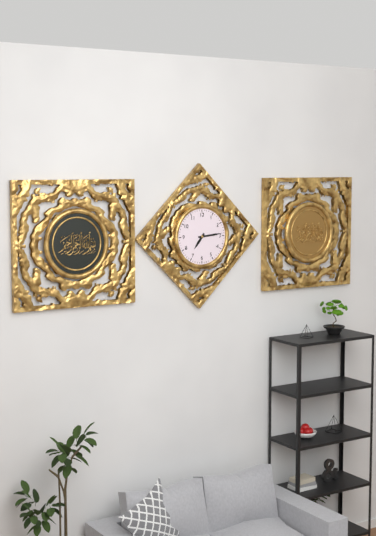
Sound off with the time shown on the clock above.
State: 7:14
